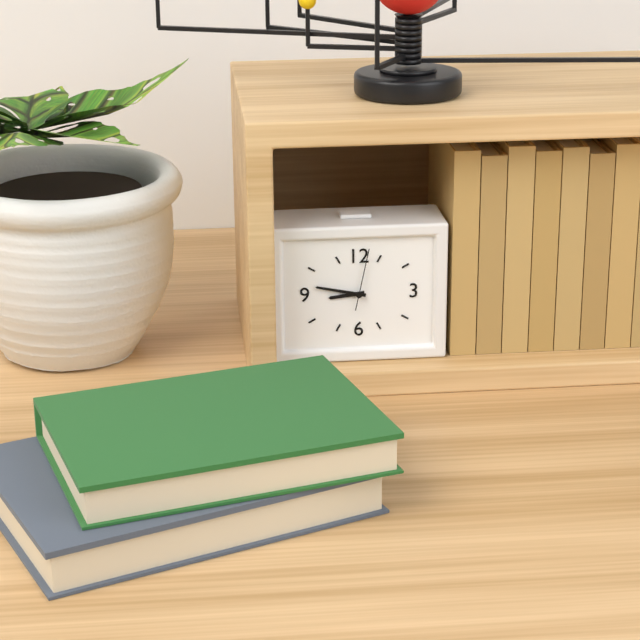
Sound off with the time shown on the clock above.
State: 8:47:02
